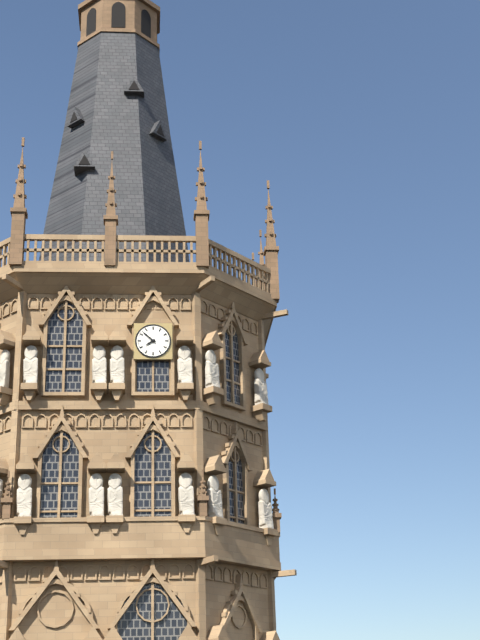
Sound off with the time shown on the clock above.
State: 7:52
